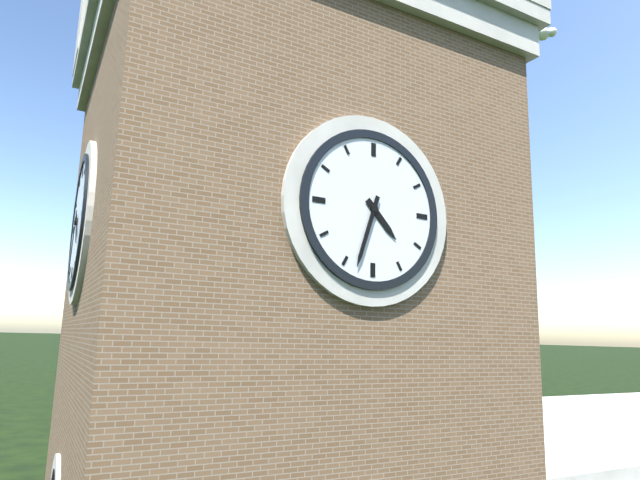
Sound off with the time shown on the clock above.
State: 4:33
